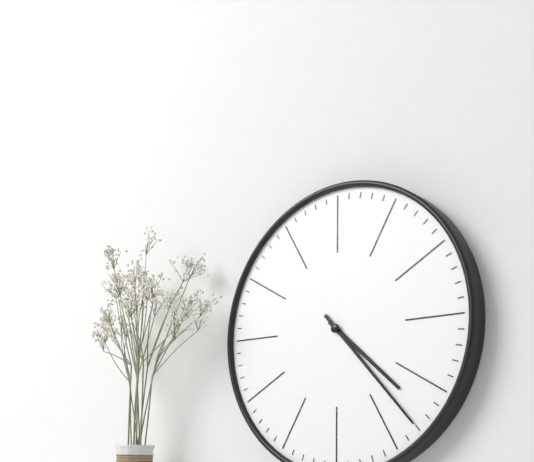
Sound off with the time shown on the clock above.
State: 4:23
